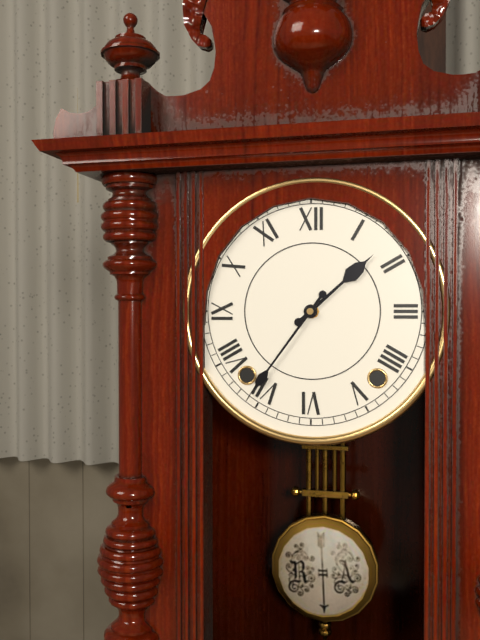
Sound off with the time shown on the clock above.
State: 1:36
